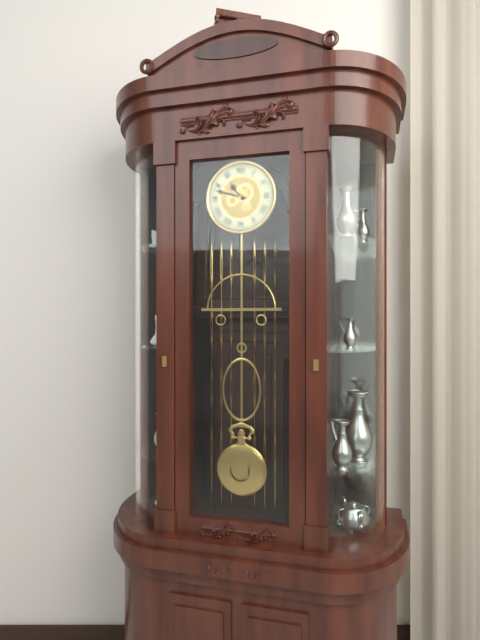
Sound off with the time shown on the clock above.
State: 10:48
